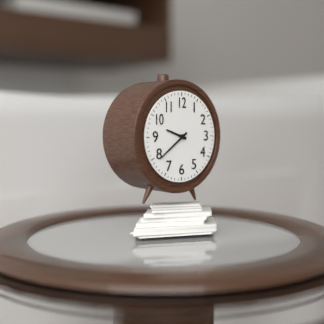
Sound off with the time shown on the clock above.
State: 9:39
